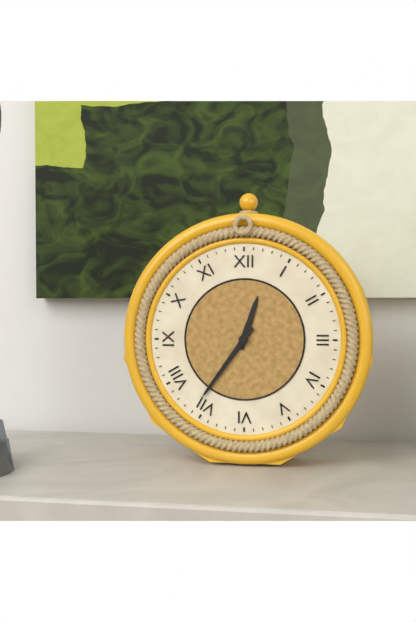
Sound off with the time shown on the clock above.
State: 12:36
